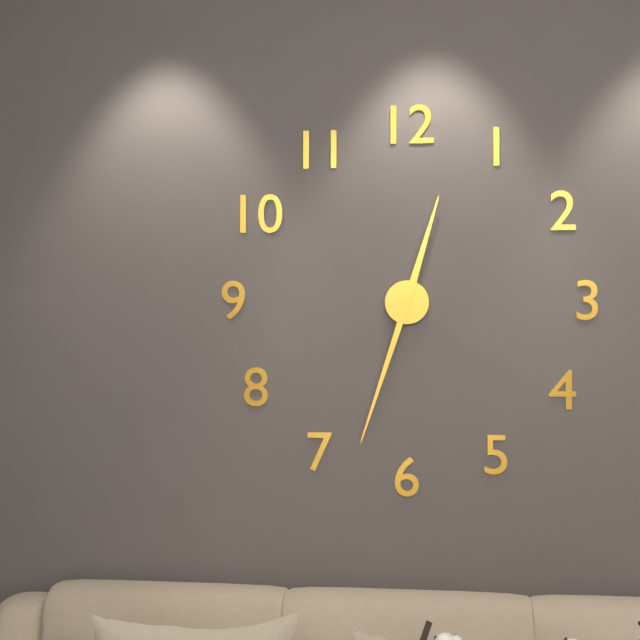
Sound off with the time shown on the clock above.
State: 12:33
